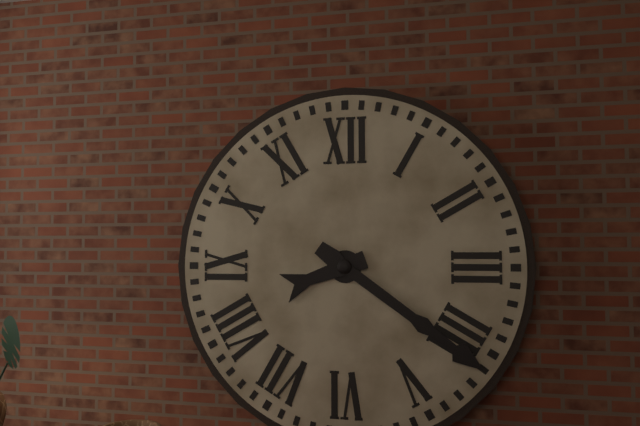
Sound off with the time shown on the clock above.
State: 8:21
